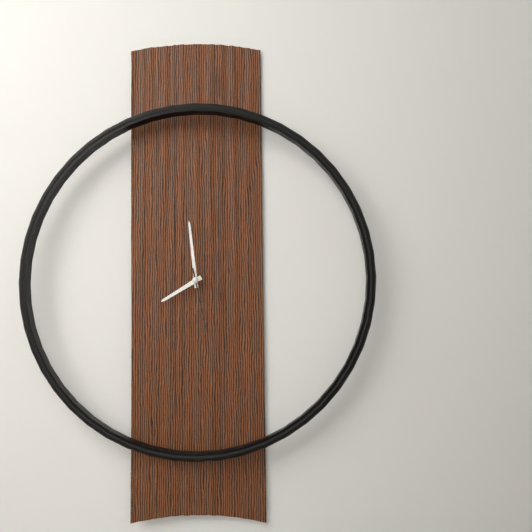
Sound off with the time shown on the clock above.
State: 7:59:28
